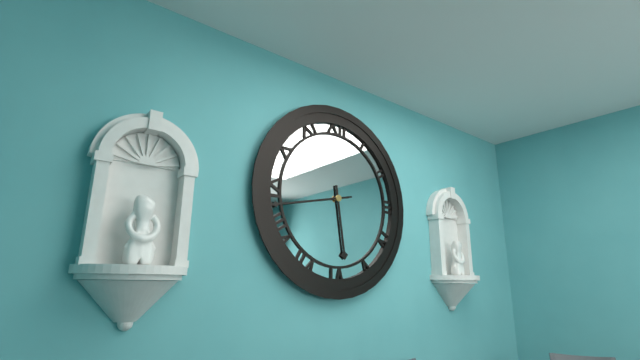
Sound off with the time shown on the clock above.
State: 5:43
